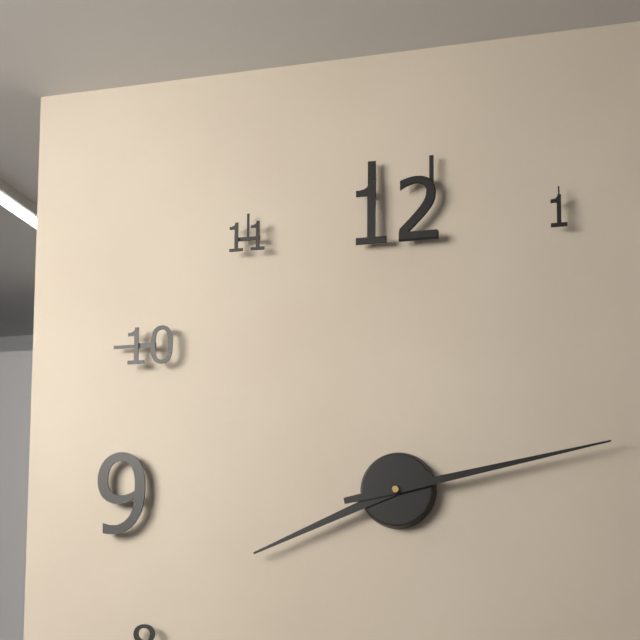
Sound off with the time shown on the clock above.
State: 8:13
